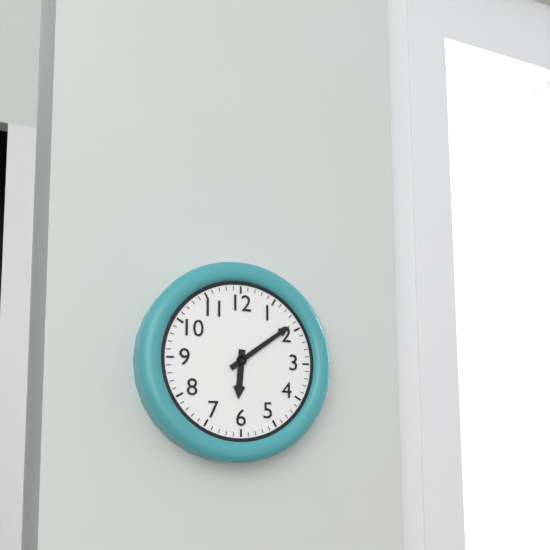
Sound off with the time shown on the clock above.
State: 6:09
